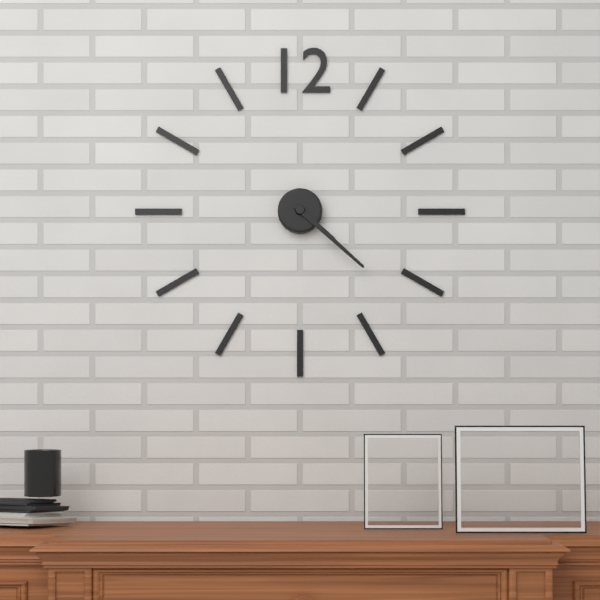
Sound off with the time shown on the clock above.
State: 4:22
